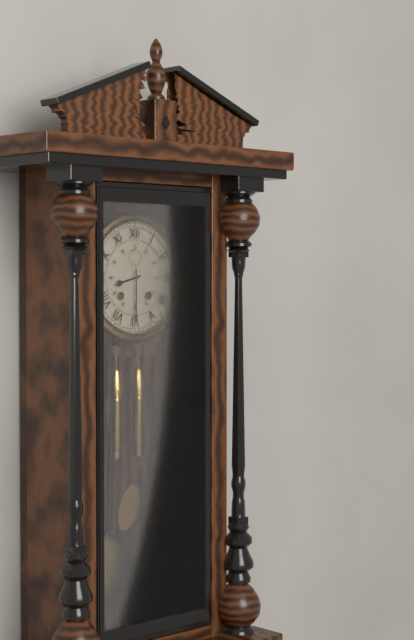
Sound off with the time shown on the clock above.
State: 8:30
